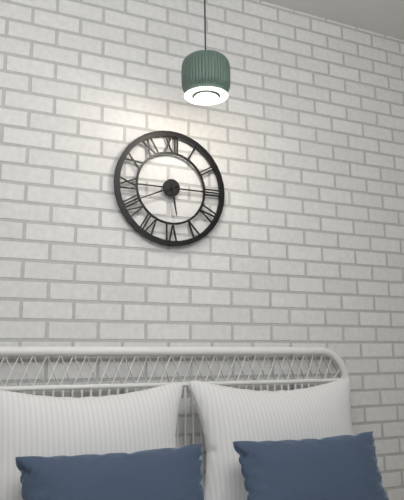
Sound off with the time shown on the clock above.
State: 5:41
